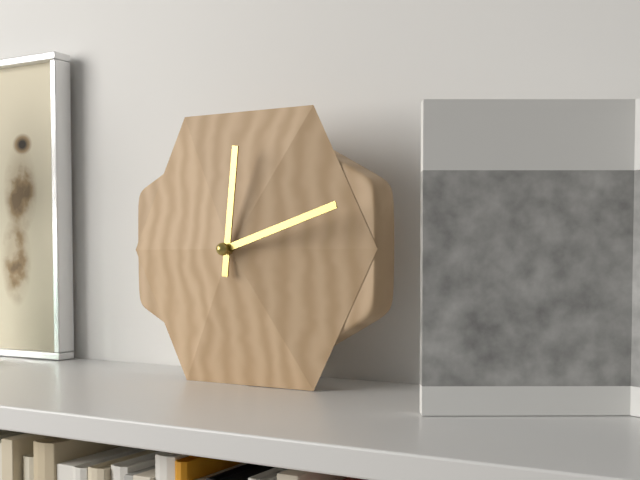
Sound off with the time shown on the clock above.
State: 12:12
